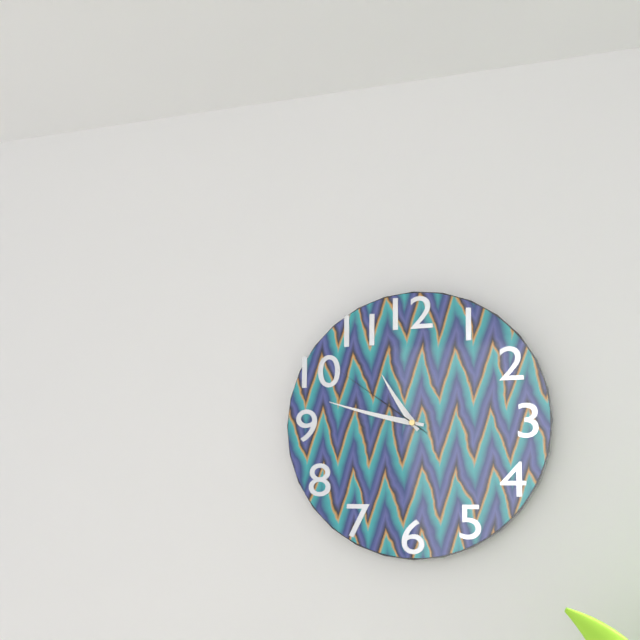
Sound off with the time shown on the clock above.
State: 10:47:51
